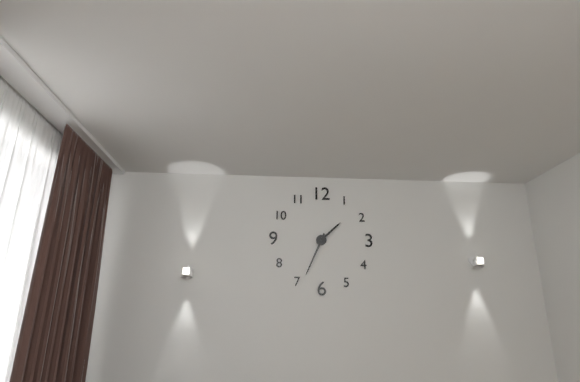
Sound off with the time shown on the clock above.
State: 1:34
